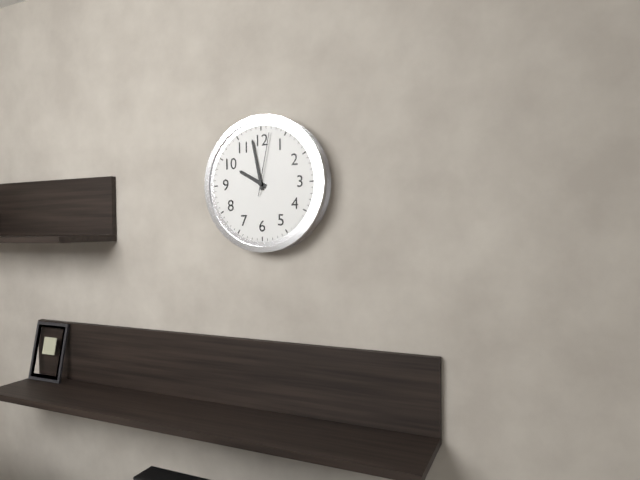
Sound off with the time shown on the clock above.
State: 9:58:02
